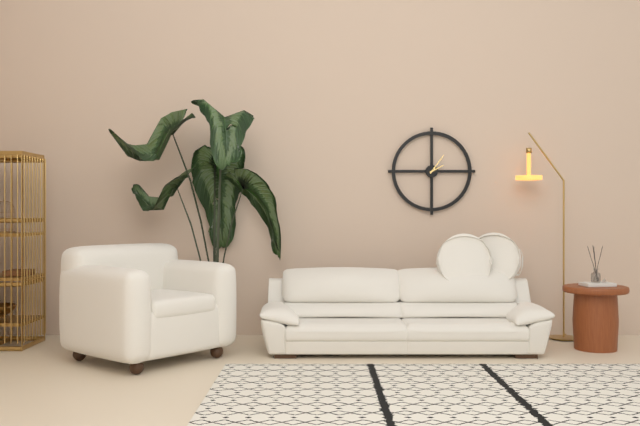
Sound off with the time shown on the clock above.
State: 2:06
